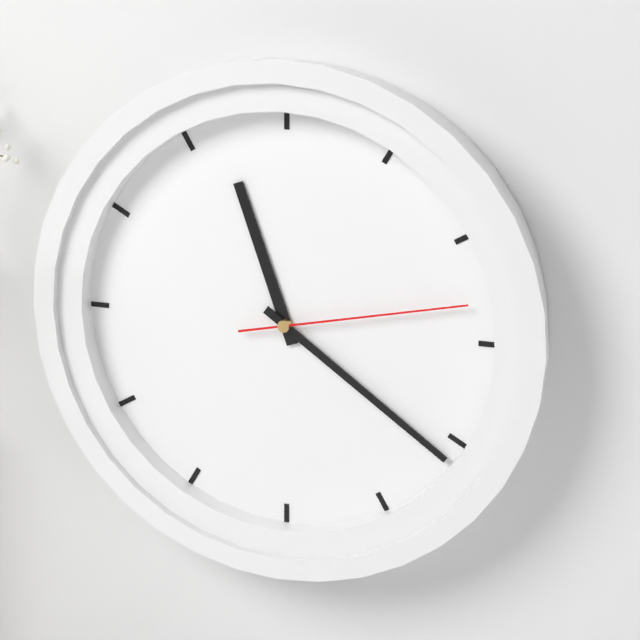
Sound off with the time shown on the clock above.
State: 11:21:13
